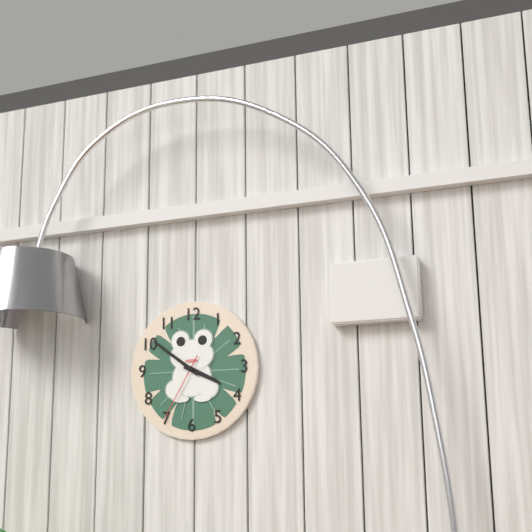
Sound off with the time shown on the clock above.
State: 3:51:35
